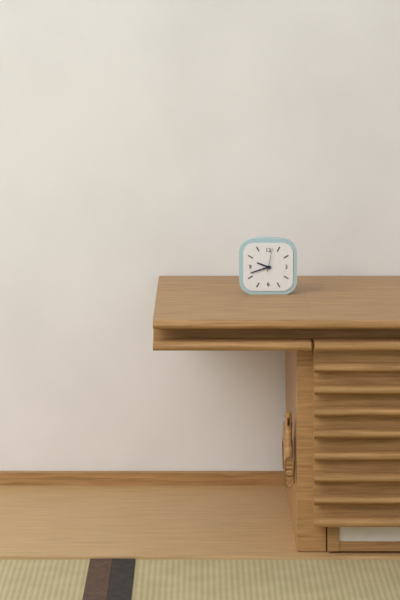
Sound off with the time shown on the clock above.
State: 9:42
